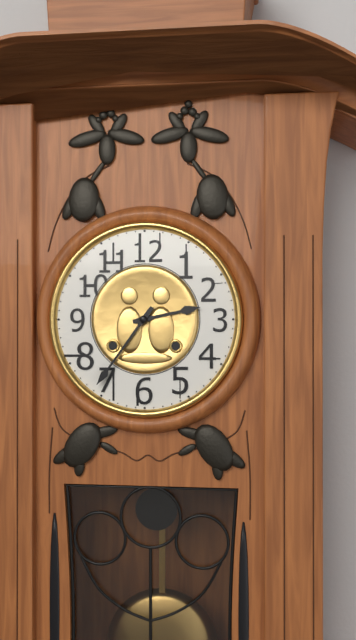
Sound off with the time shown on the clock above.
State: 2:36
